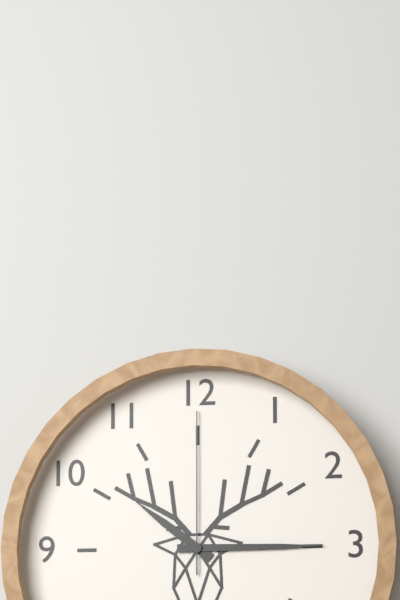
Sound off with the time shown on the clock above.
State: 10:15:00
